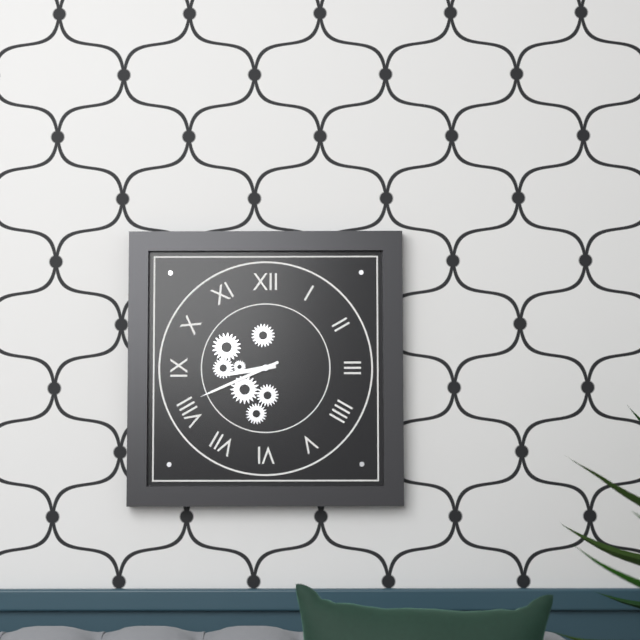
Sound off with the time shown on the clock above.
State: 8:41
